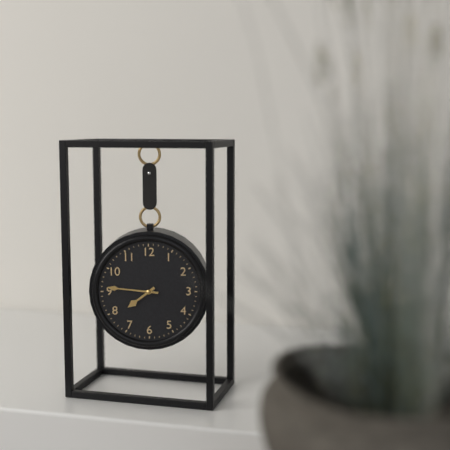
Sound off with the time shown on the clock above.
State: 7:46
